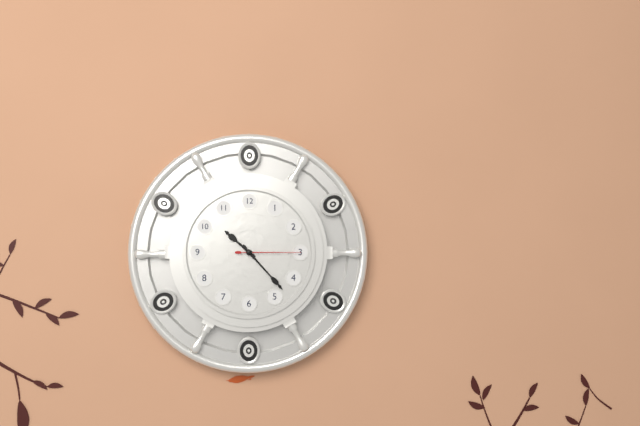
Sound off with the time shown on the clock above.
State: 10:23:15
